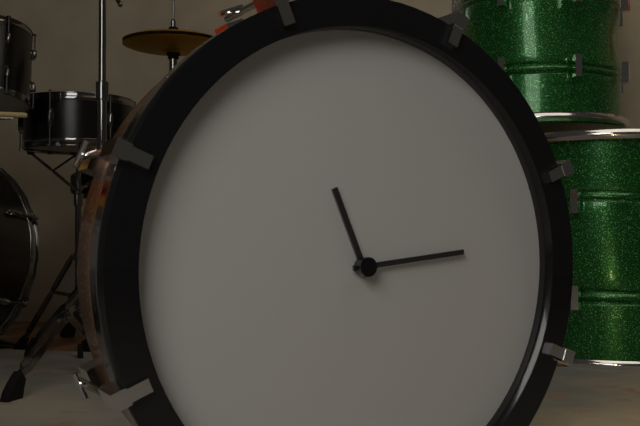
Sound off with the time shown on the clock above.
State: 11:14
